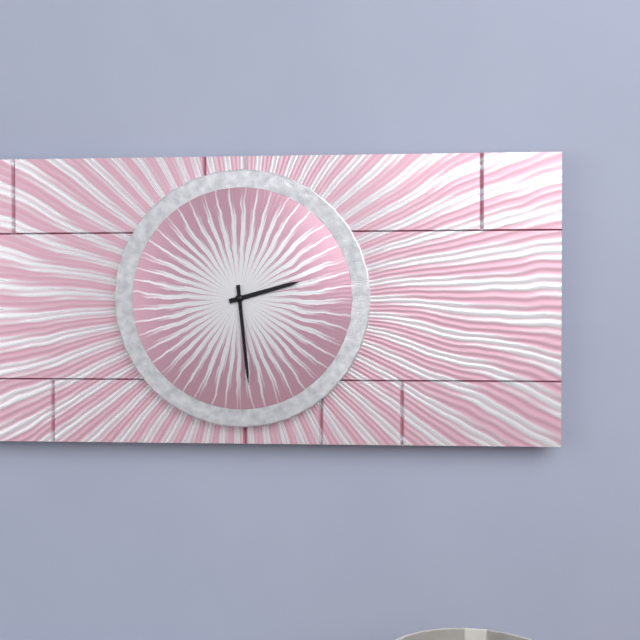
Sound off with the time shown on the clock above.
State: 2:29
